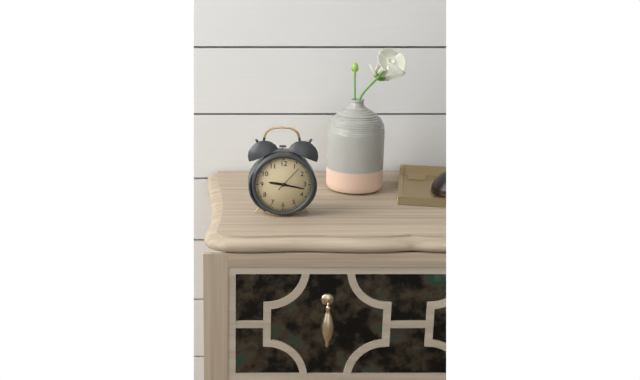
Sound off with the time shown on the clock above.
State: 9:17
